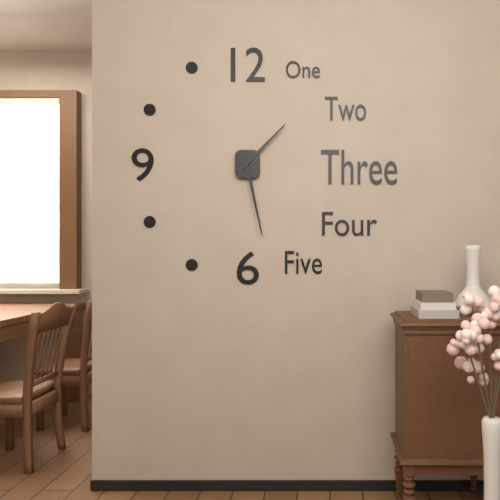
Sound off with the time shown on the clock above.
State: 1:28
